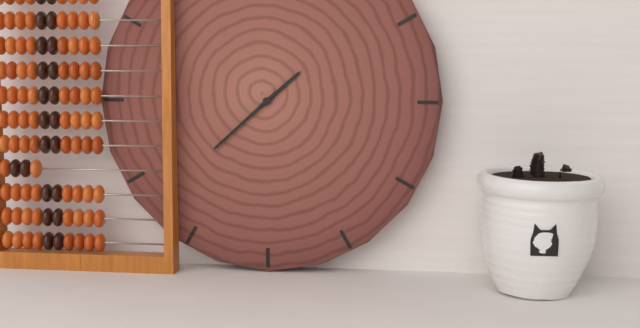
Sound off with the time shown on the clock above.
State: 1:38
